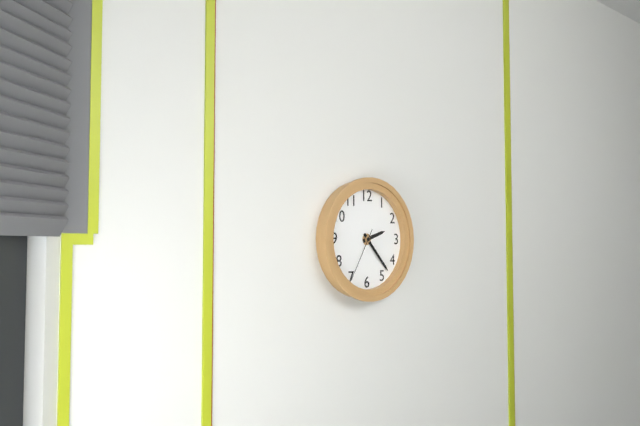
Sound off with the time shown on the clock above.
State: 2:23:35
